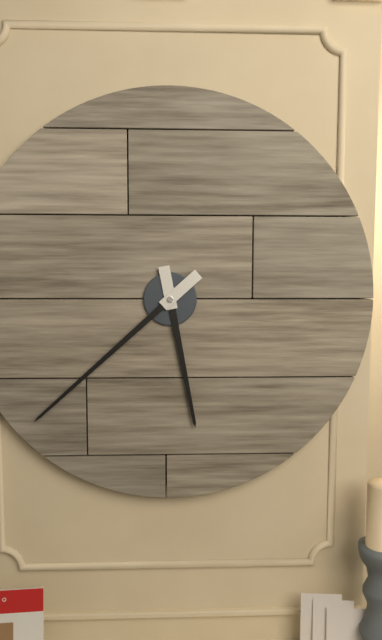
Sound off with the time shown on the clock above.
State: 5:38
